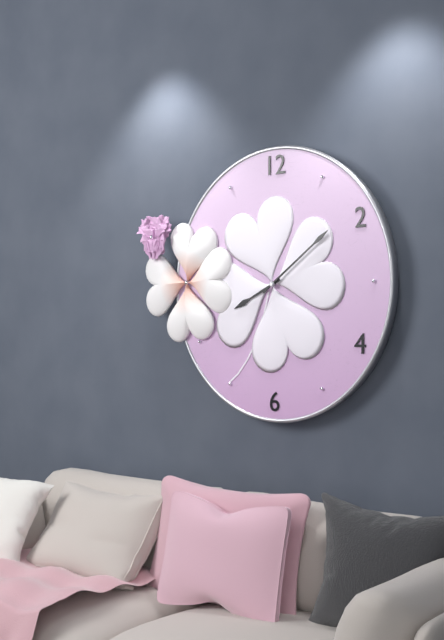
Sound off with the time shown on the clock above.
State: 8:09
